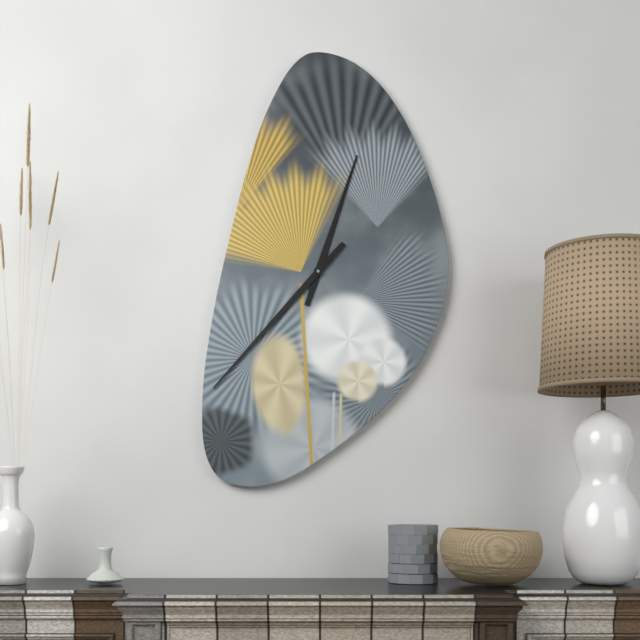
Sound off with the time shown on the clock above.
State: 12:37
